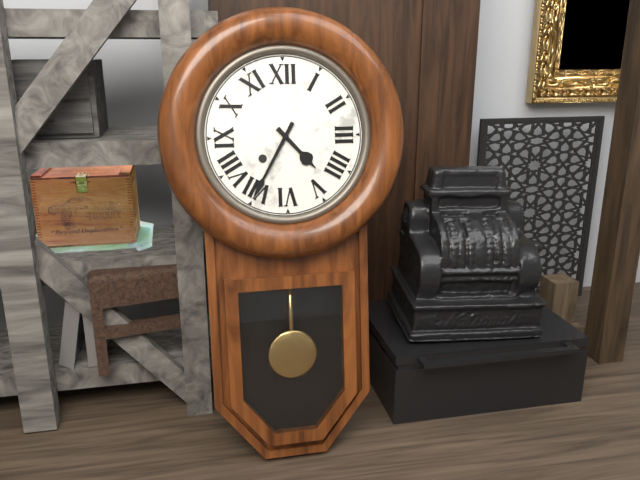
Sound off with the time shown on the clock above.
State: 4:35
